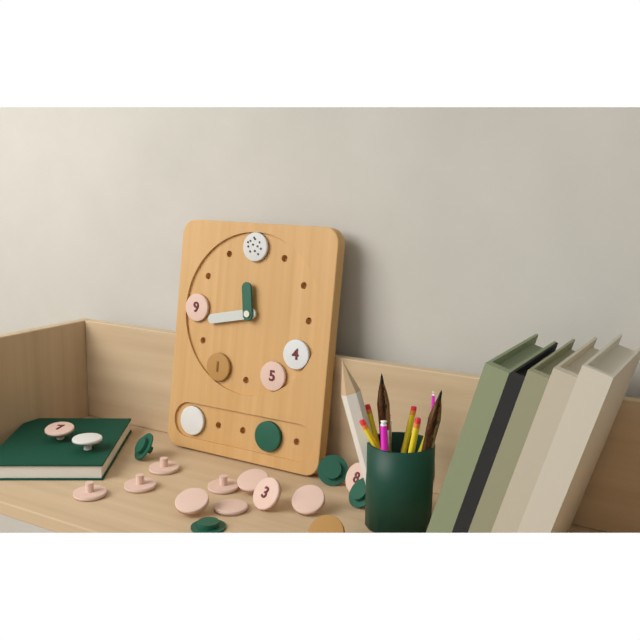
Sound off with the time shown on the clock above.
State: 11:43
